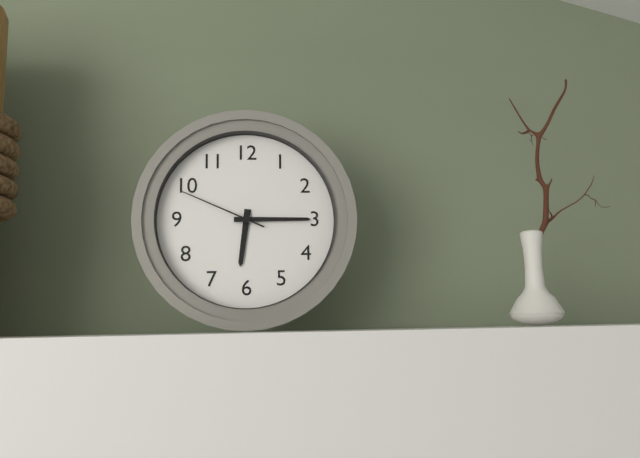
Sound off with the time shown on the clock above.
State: 6:15:49
